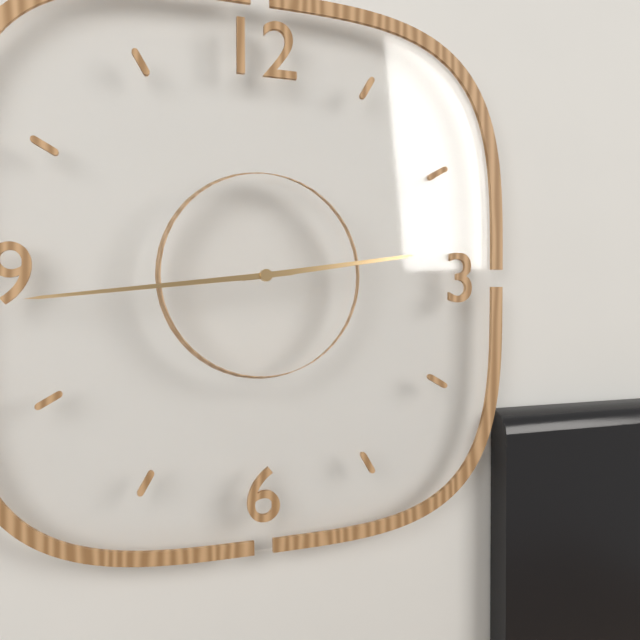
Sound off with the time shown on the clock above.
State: 2:44
